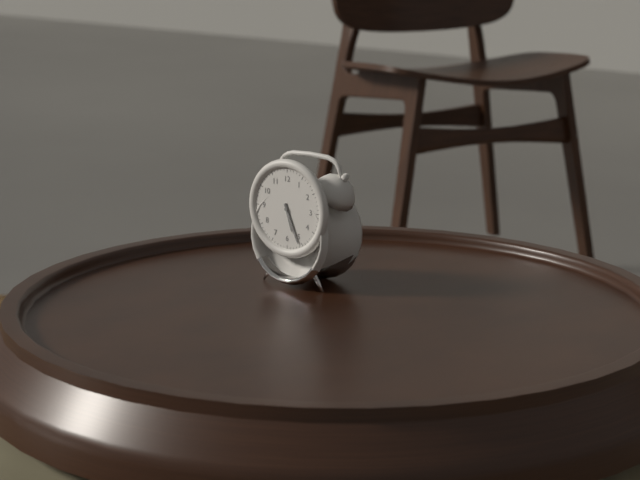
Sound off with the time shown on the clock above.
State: 5:26
